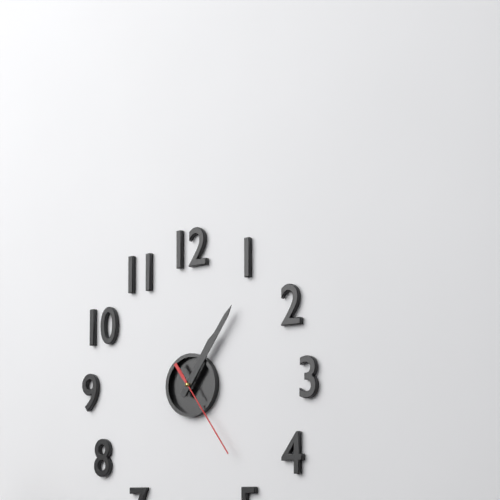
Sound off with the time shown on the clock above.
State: 1:06:24
